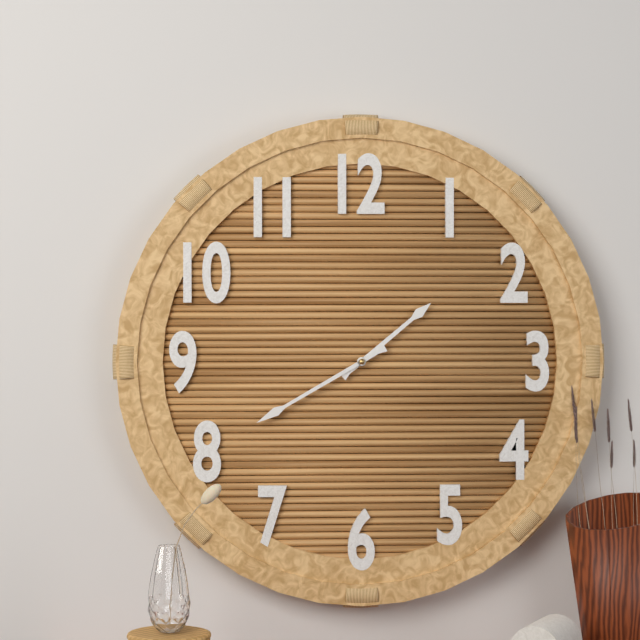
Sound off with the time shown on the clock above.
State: 1:40
